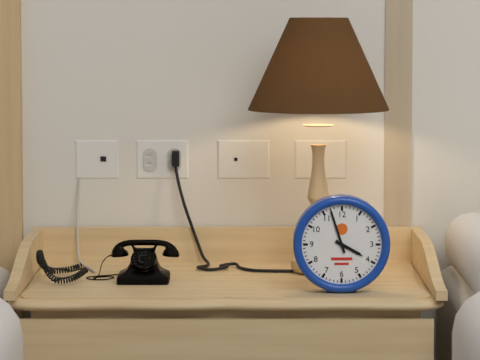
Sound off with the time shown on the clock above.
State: 3:57
